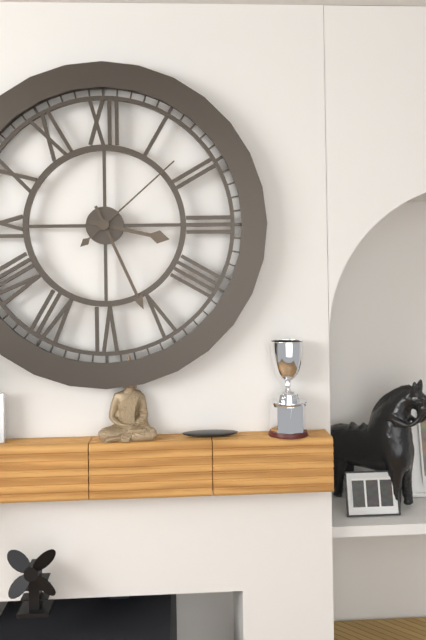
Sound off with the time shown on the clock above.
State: 3:26:08
